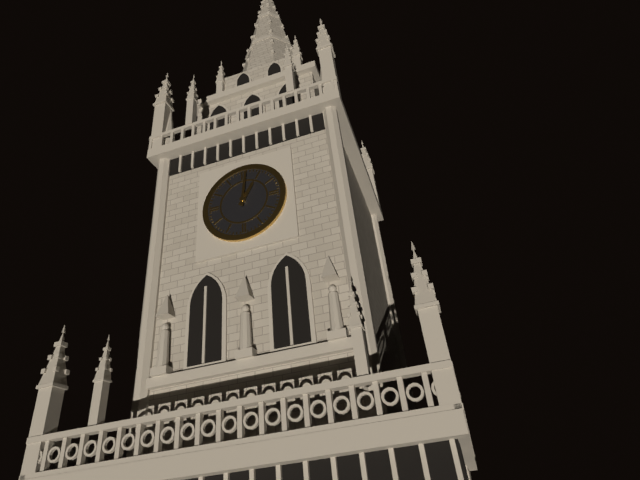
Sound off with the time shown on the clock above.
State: 1:01
